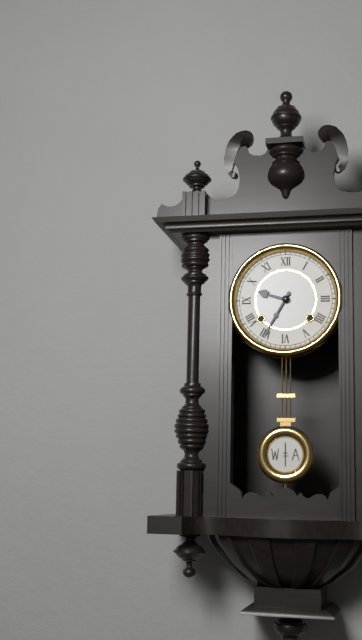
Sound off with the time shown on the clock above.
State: 9:35
